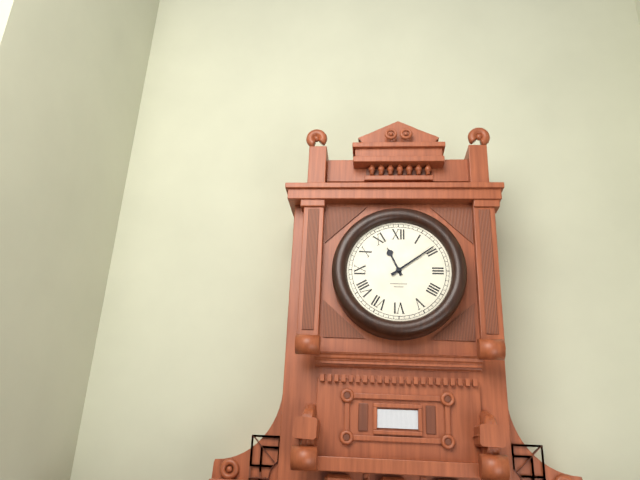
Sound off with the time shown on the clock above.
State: 11:09
